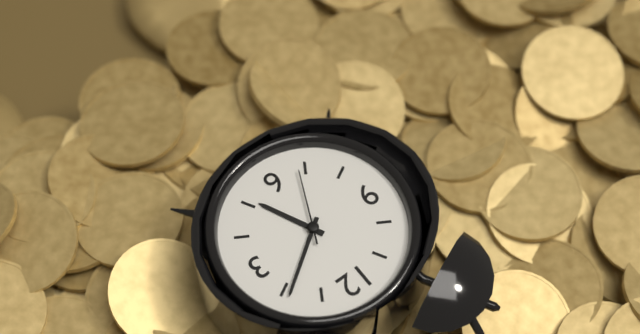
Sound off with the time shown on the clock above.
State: 5:09:34
